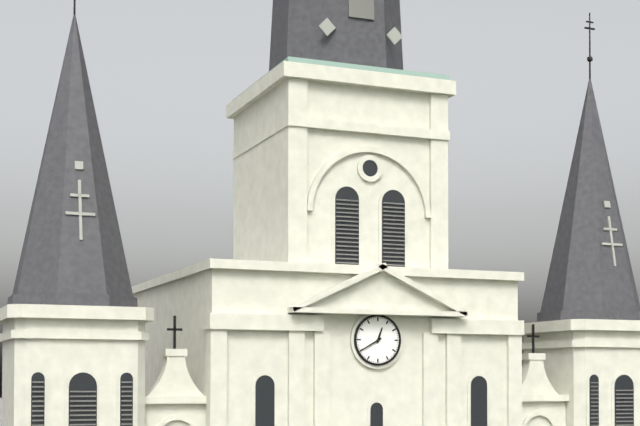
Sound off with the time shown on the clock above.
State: 12:40
